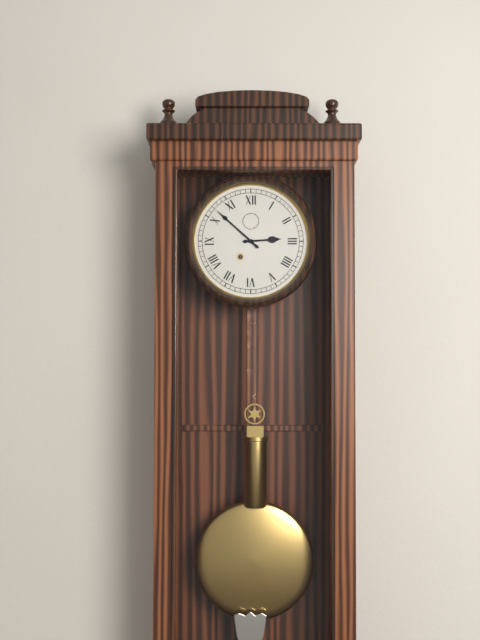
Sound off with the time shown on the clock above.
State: 2:52
